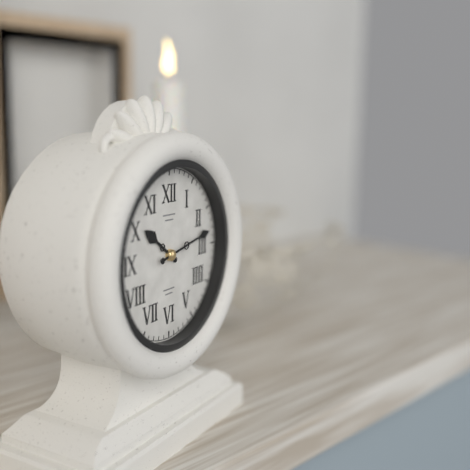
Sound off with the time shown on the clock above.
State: 10:13
